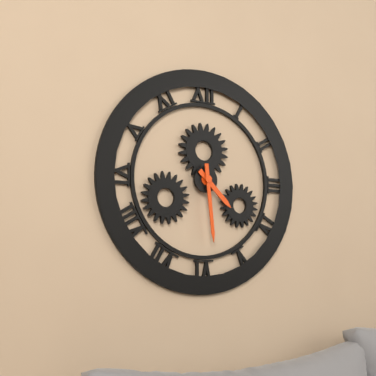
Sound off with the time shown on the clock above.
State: 4:29
